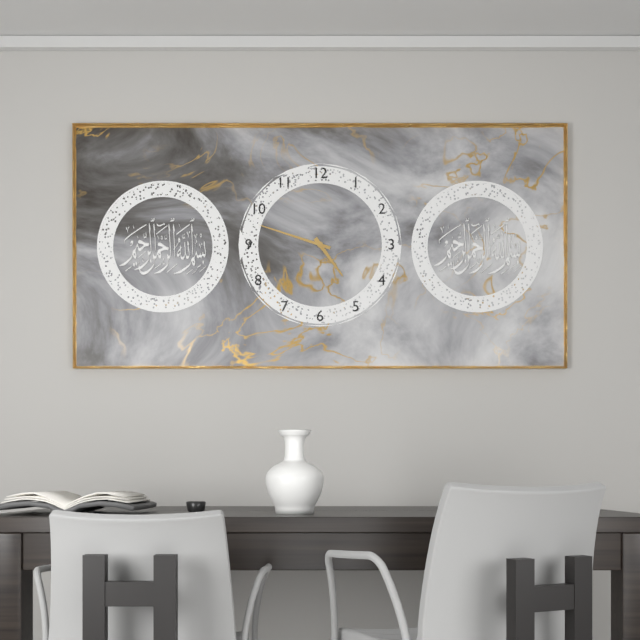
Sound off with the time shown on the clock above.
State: 4:48
